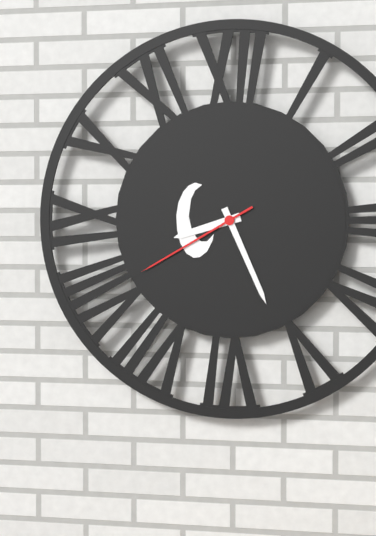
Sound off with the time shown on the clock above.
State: 8:26:40
